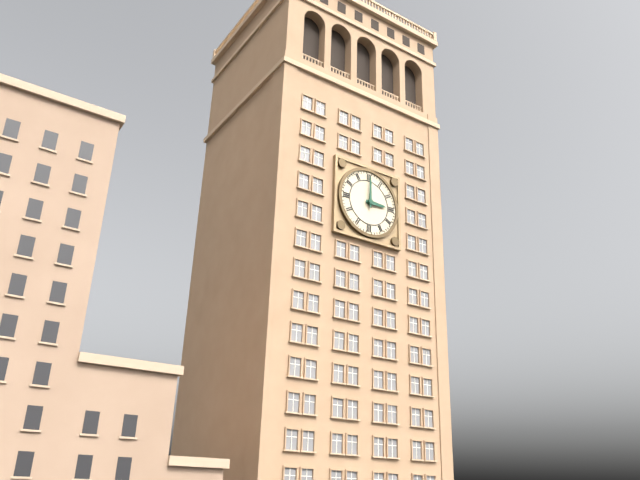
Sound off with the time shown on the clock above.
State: 3:00
